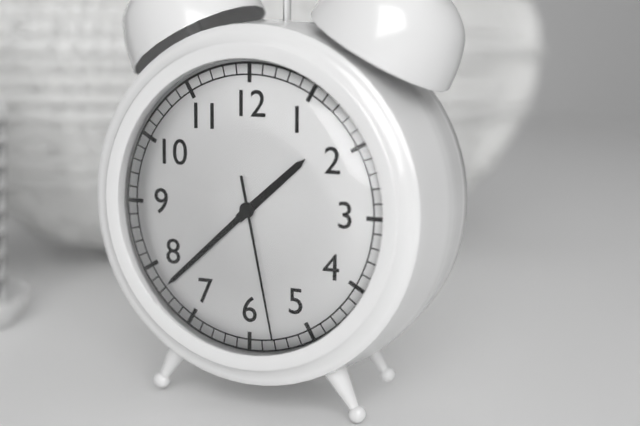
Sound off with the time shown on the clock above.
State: 1:38:28
